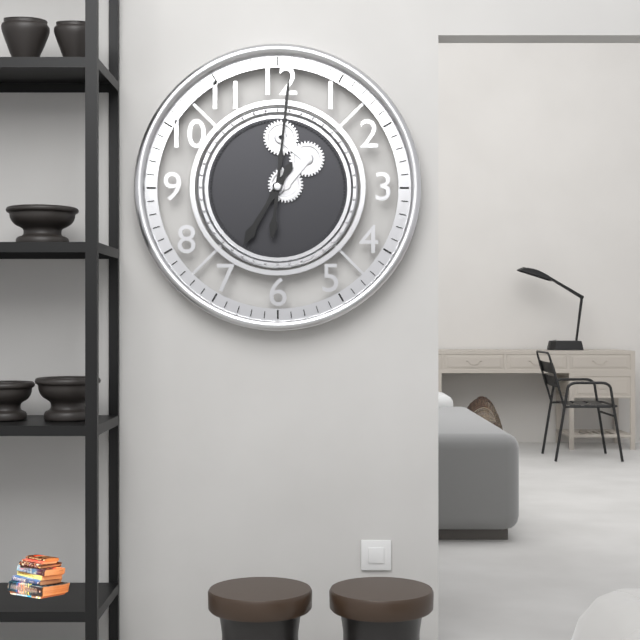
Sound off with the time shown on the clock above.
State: 7:01
